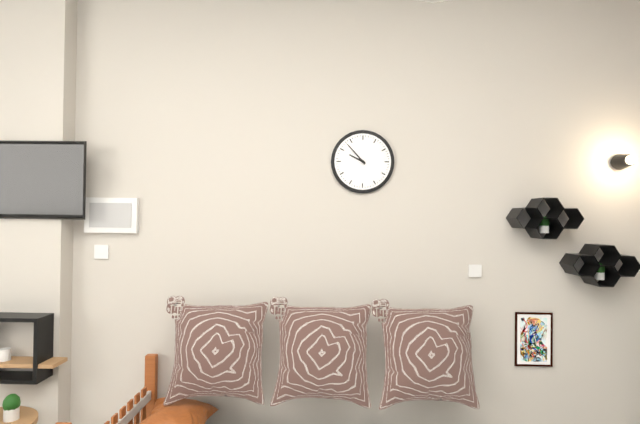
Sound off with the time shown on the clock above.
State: 9:53
